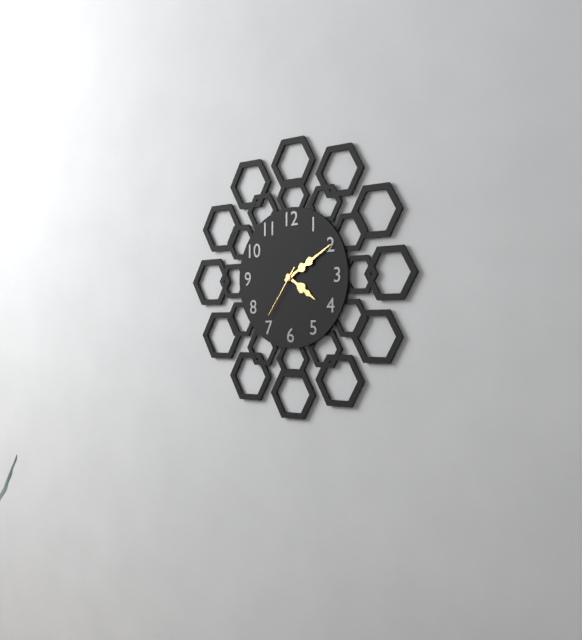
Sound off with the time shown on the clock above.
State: 4:10:36
